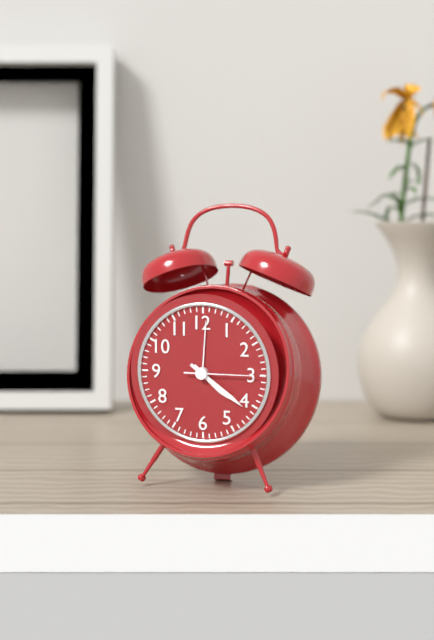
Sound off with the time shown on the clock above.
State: 4:21:15
